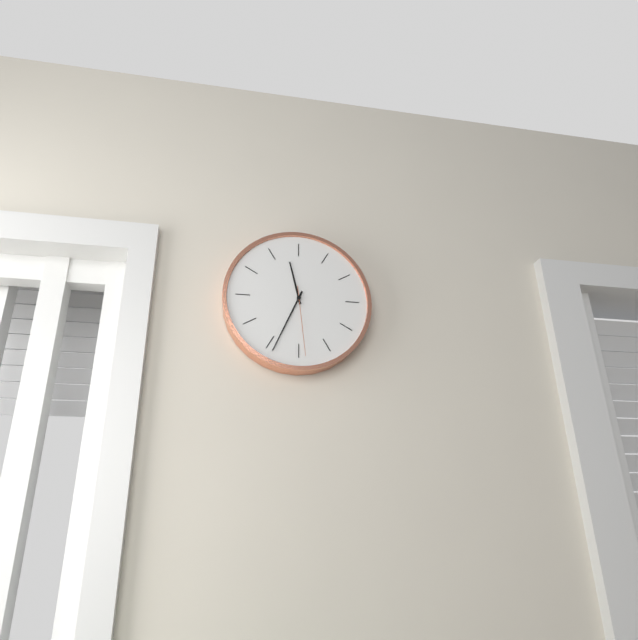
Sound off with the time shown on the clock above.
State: 11:34:29
